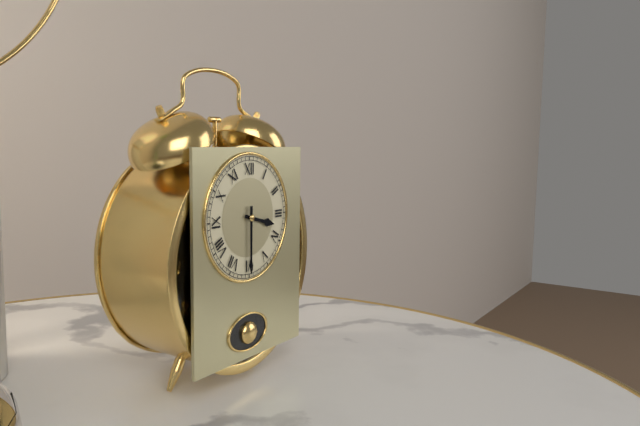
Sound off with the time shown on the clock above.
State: 3:30
